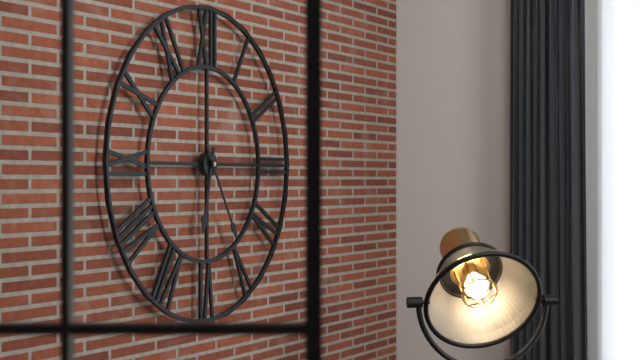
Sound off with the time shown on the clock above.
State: 6:25
